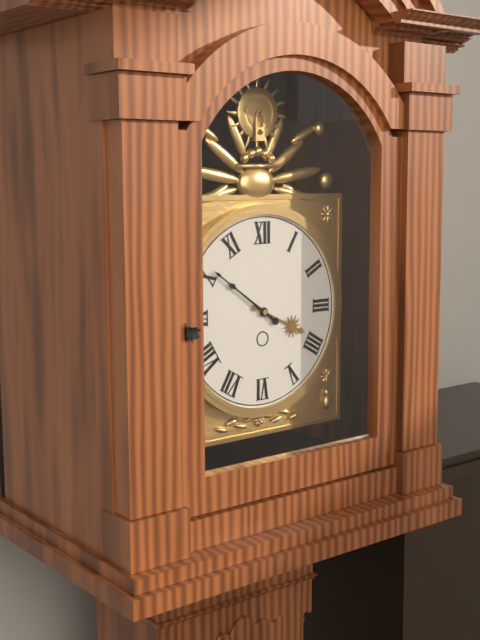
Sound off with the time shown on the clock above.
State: 3:51
